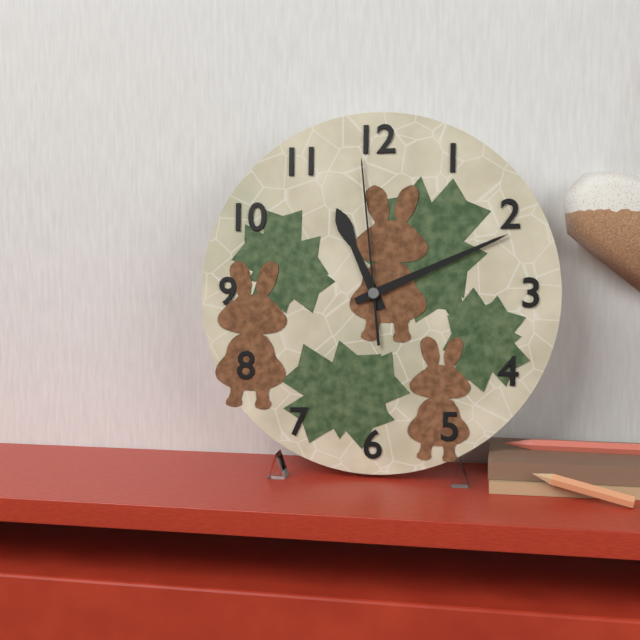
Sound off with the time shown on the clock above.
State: 11:11:59
